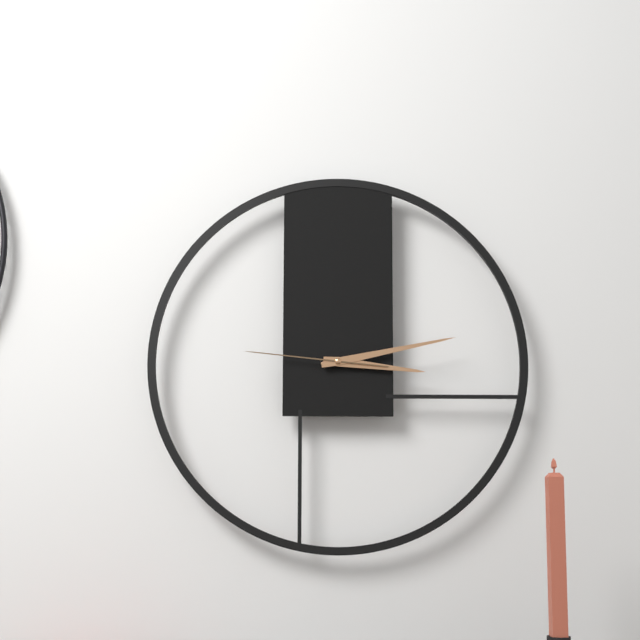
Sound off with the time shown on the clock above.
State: 3:13:46
